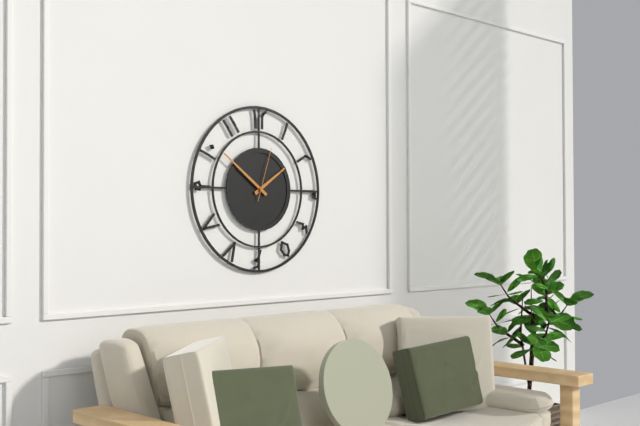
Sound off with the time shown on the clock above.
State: 1:51:03
